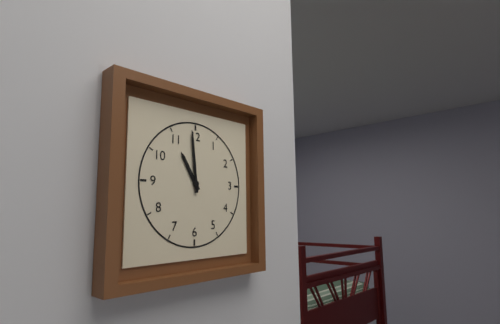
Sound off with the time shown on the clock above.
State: 10:59
